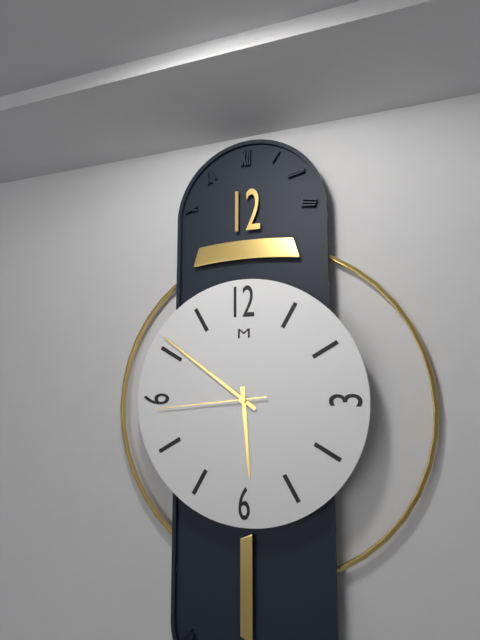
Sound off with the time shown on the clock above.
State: 5:51:44
